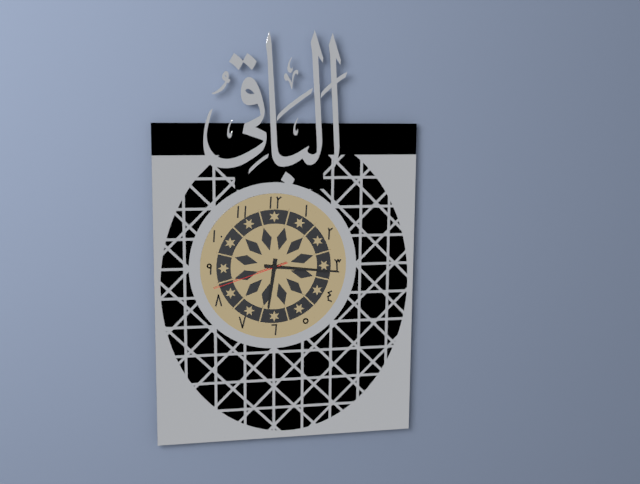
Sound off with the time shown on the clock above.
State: 6:16:42
